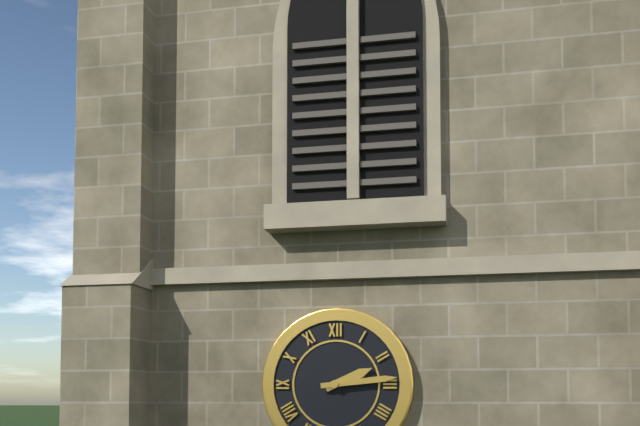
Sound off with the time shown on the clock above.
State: 2:14
